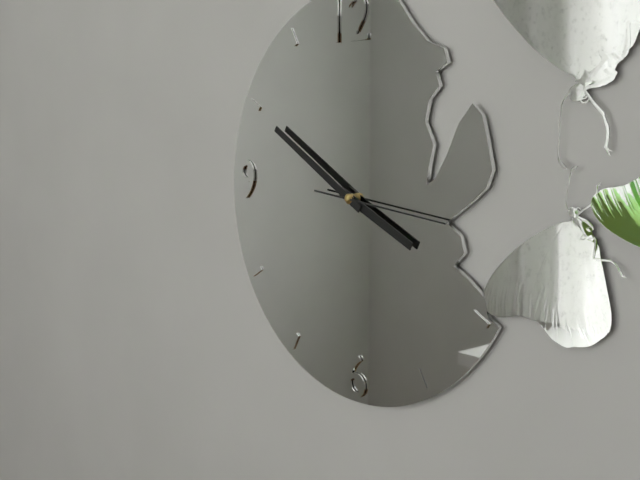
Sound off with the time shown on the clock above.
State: 3:50:16
